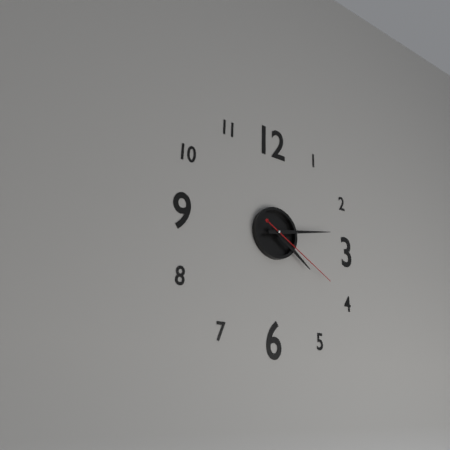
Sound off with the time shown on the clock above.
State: 4:13:20
